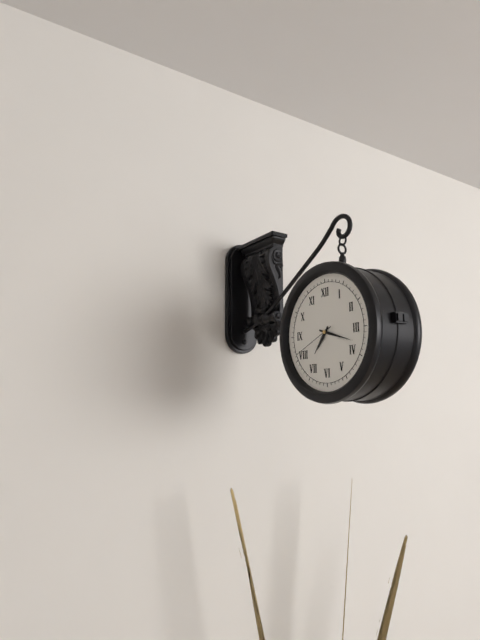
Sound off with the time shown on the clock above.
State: 7:18
